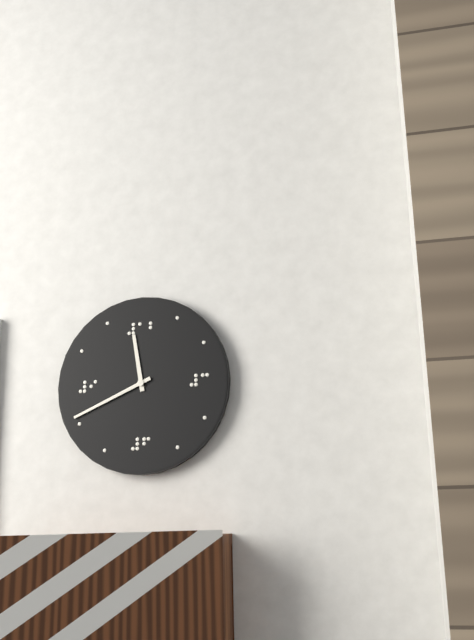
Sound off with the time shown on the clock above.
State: 11:41
